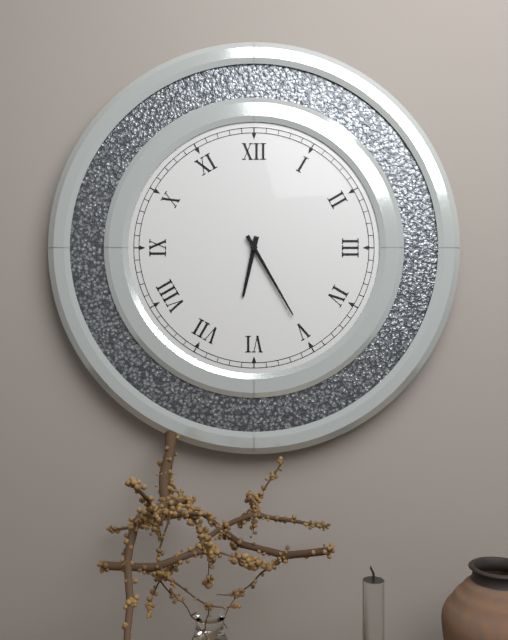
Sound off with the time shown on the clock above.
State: 6:25
